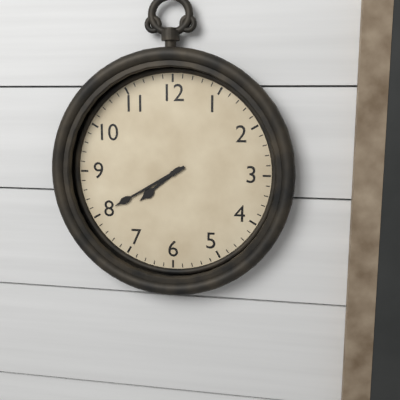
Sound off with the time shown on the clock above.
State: 7:40
